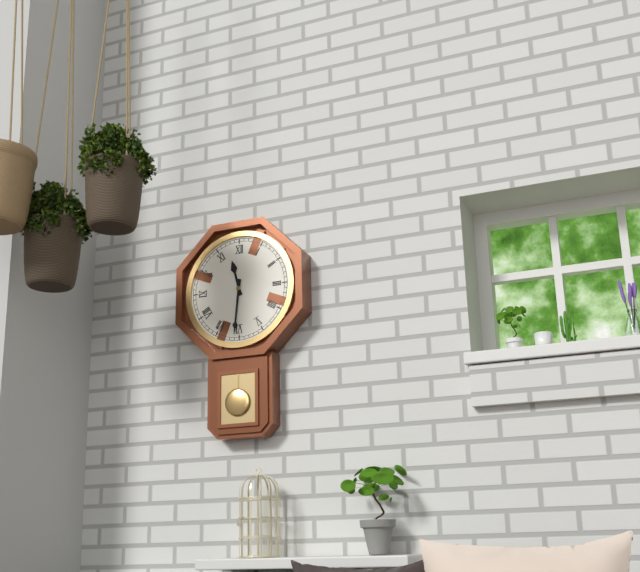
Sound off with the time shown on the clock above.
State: 11:31
